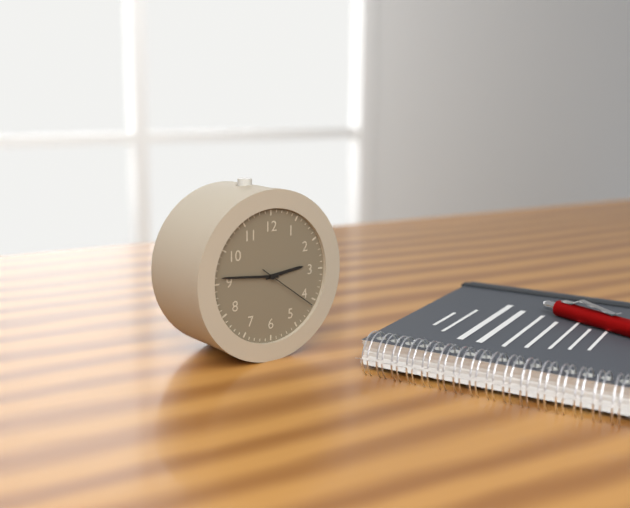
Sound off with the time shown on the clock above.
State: 2:46:21
